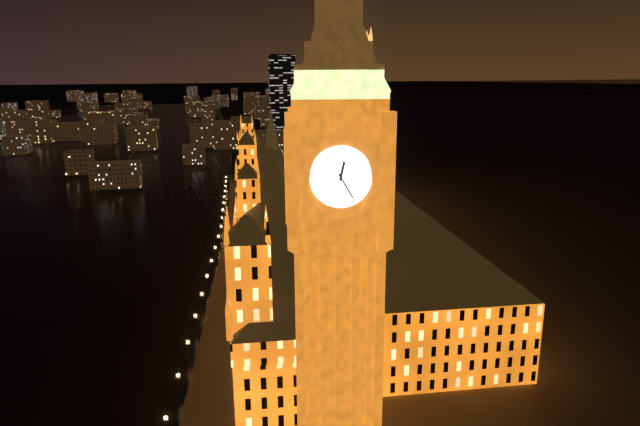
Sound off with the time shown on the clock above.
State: 12:25
